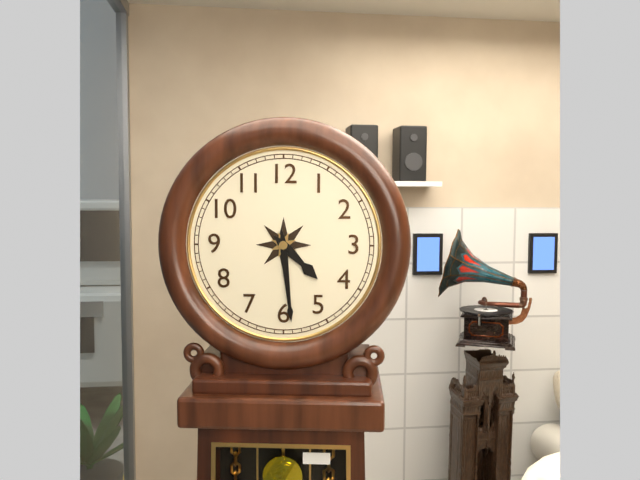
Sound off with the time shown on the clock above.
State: 4:29
